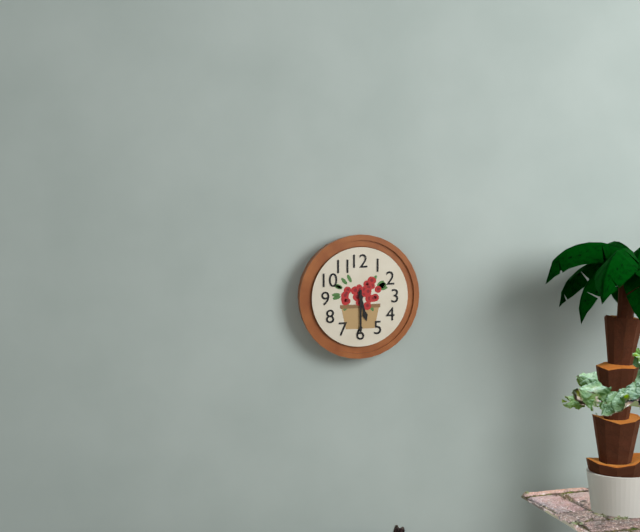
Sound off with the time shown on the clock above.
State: 5:30
